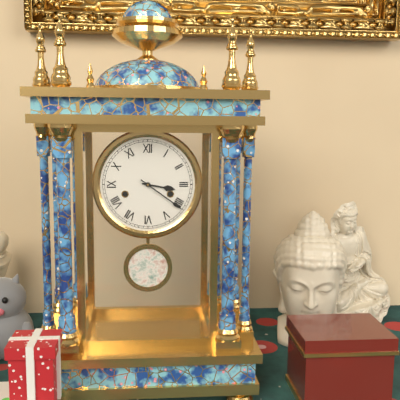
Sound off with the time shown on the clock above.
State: 3:21
